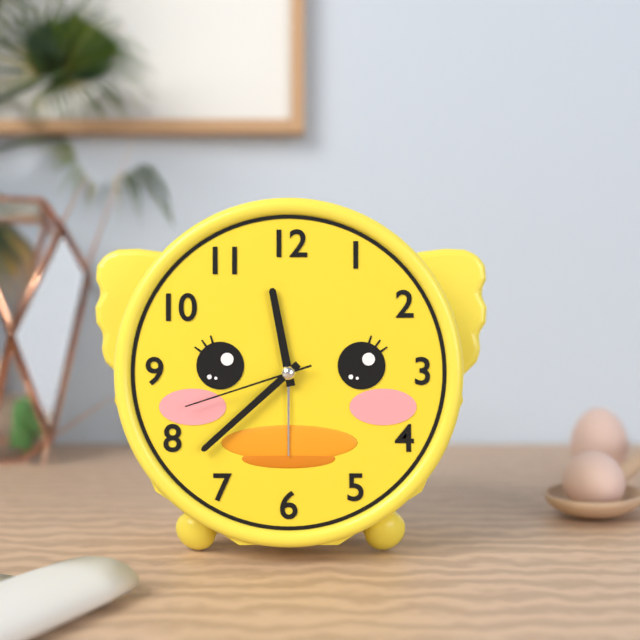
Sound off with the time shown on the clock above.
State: 11:38:42
